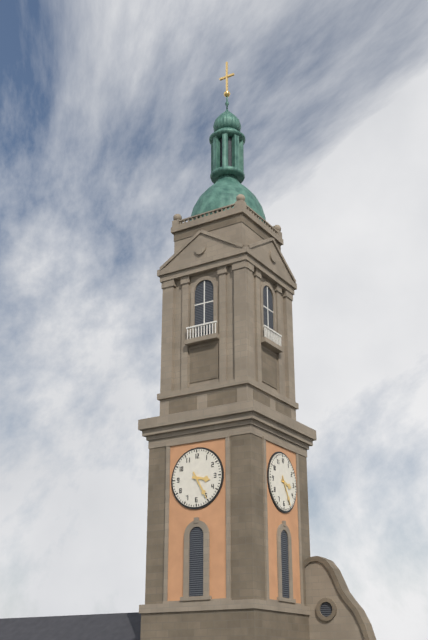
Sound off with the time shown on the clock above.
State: 3:25
